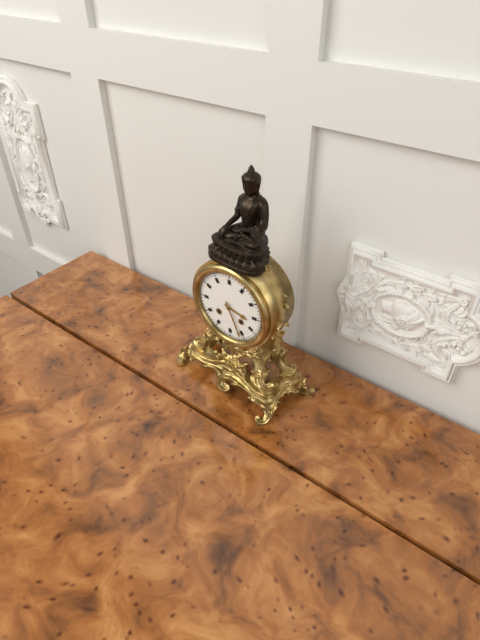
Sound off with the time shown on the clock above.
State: 3:26
